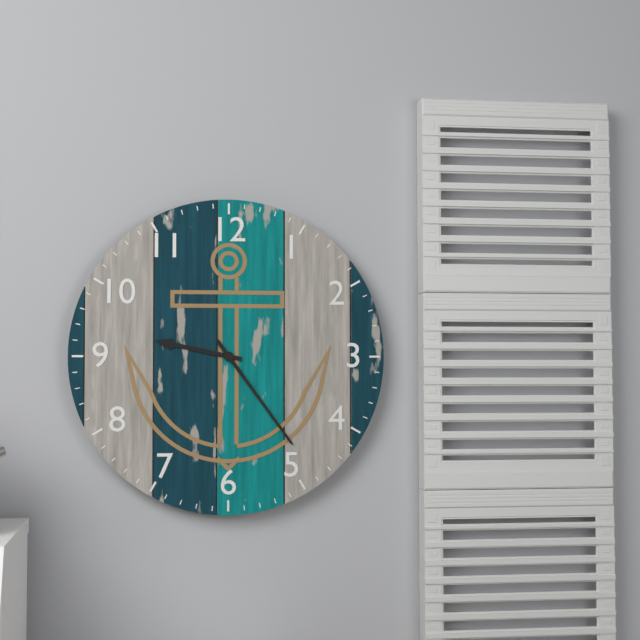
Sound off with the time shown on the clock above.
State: 9:24
